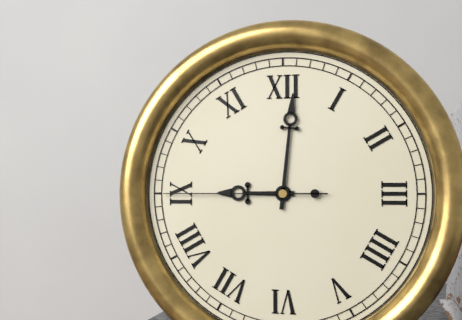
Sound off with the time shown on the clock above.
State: 9:01:45
